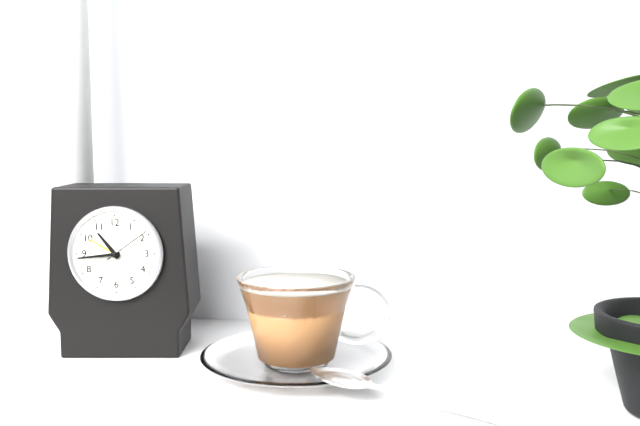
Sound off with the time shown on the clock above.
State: 10:44
